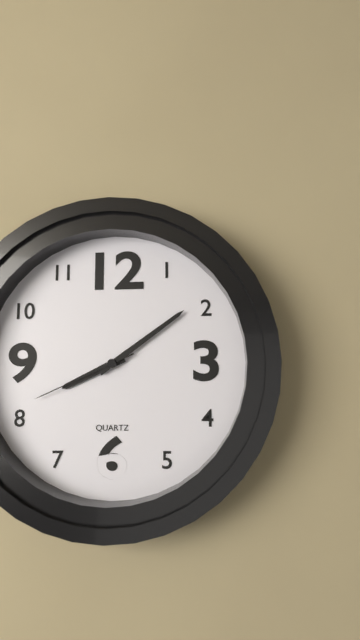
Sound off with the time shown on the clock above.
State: 8:09:41
